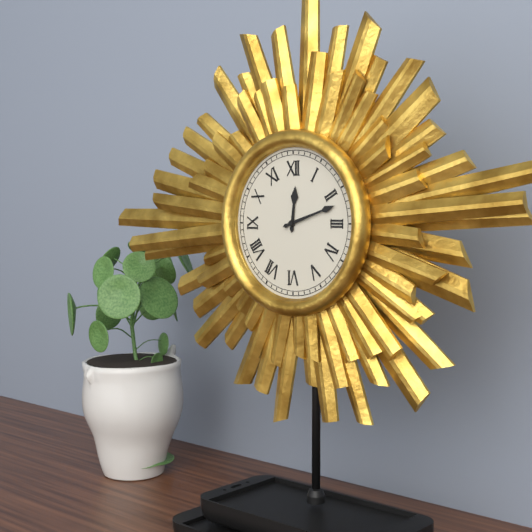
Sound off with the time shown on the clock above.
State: 12:12
